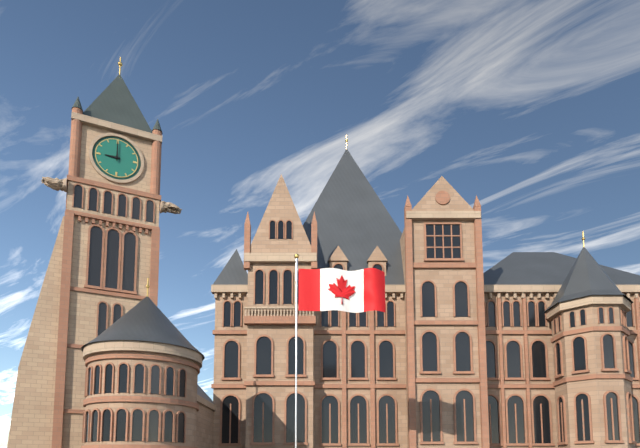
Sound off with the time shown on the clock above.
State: 9:00
